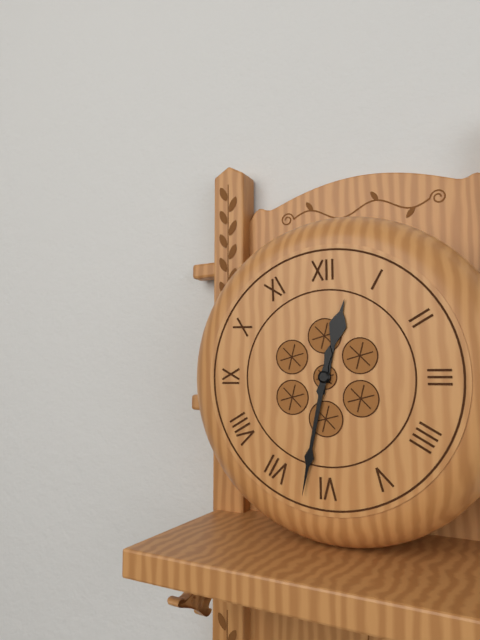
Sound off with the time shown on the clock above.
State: 12:32
